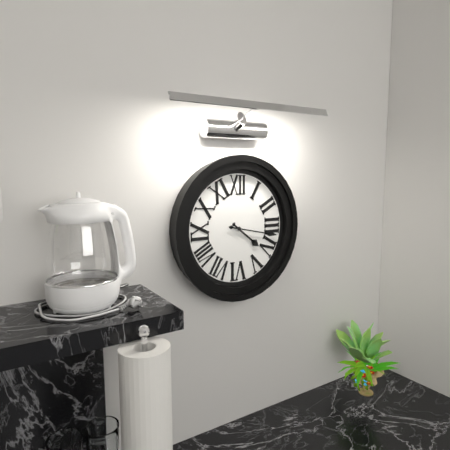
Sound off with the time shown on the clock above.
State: 4:17
